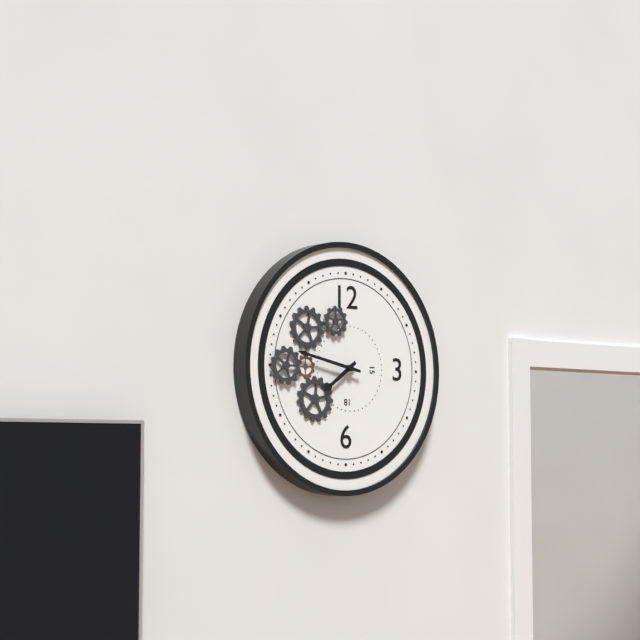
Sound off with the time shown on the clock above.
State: 7:47
